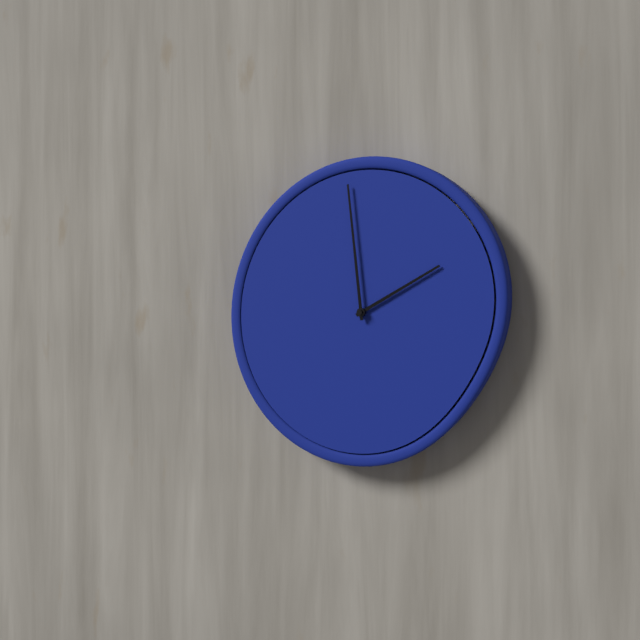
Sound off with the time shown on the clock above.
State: 1:59
